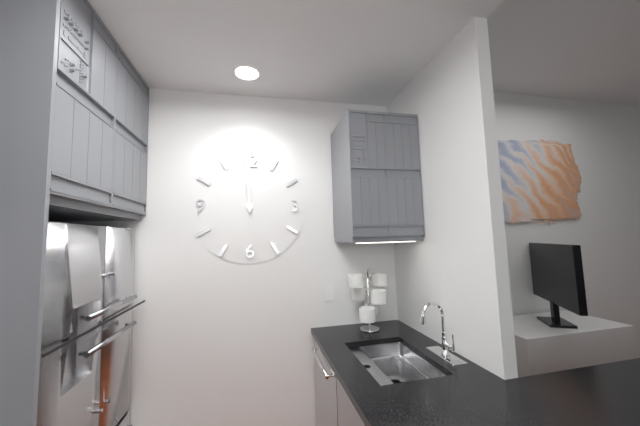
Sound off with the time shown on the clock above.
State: 11:59
